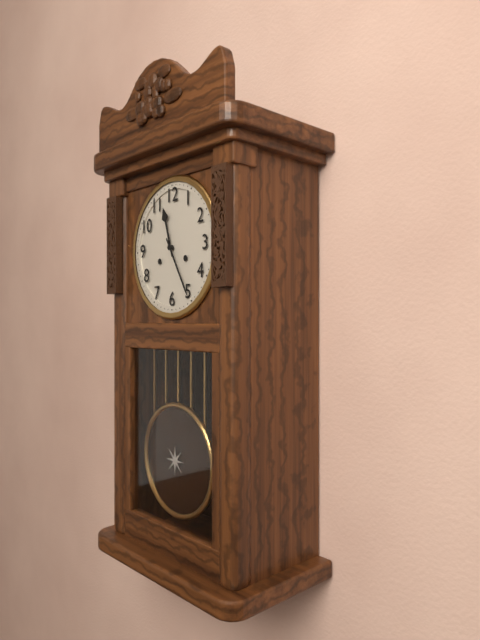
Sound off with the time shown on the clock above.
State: 11:25
